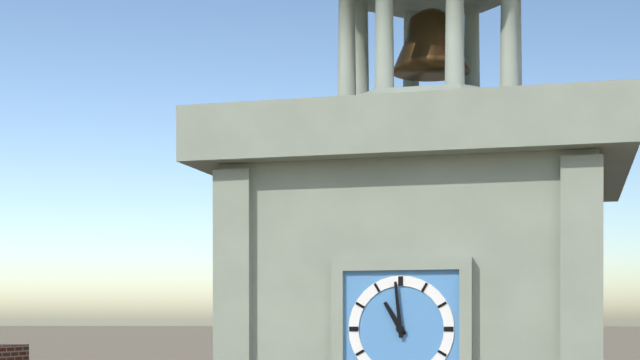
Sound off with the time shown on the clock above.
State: 10:59
